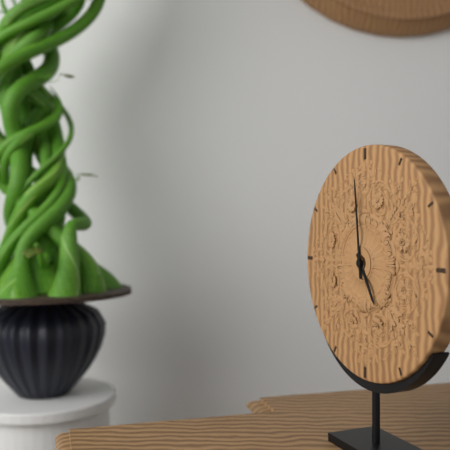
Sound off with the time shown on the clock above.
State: 4:59
